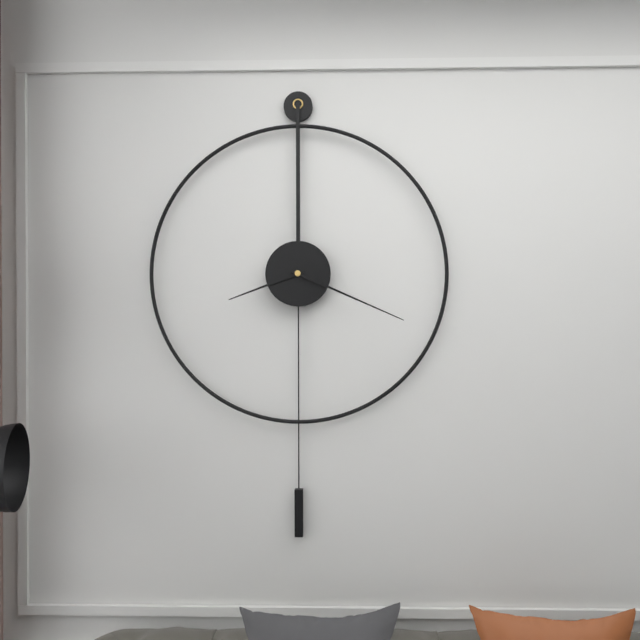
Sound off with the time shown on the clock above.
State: 8:19
